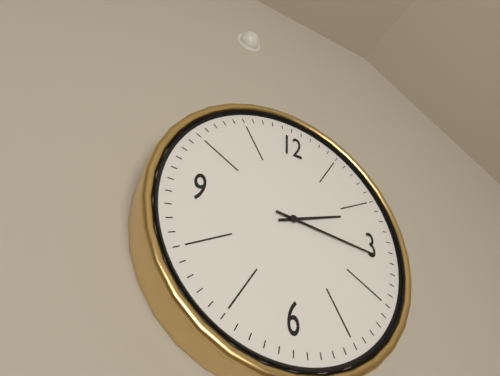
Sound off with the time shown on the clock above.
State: 2:16
